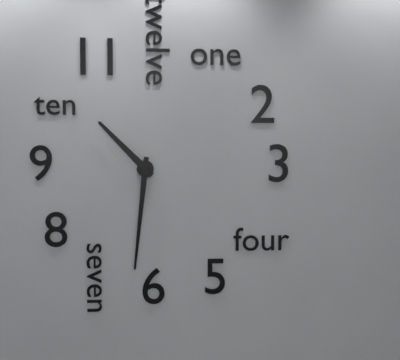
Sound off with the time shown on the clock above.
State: 10:31
